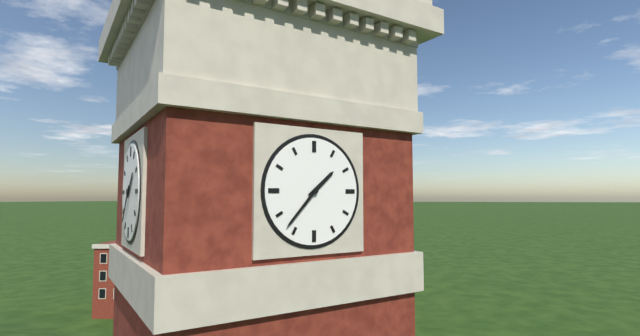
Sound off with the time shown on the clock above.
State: 1:37
